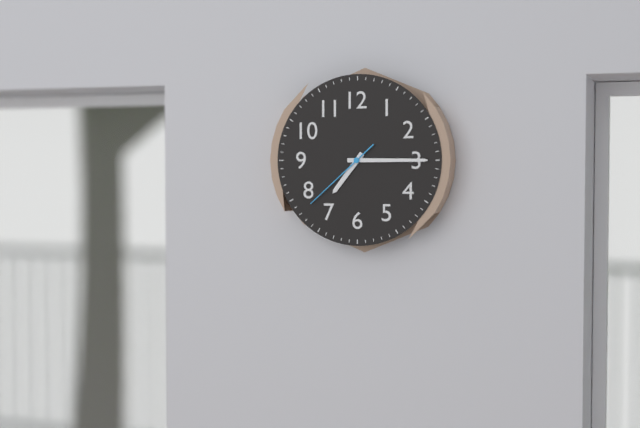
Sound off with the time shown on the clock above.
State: 7:15:38
